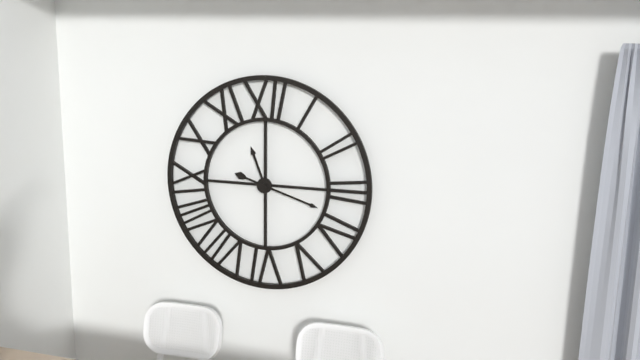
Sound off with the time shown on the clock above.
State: 11:18
